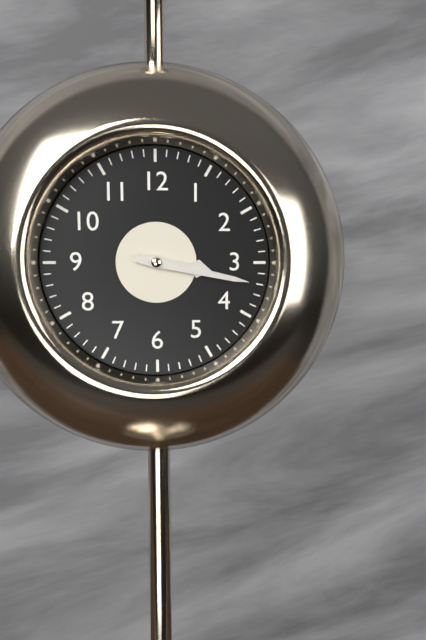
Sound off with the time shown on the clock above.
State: 3:17
